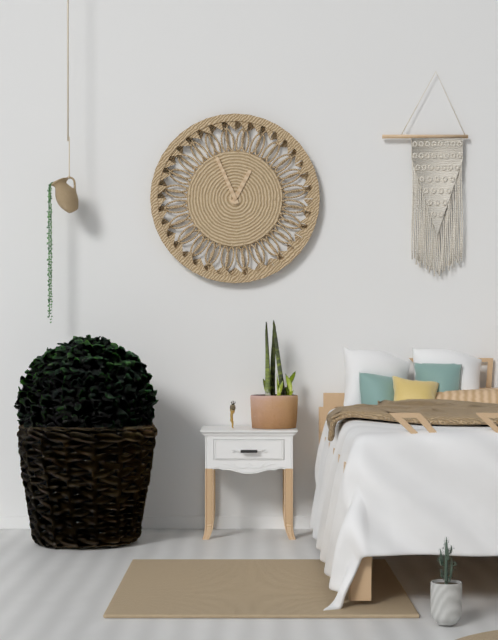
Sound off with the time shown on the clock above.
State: 12:56
